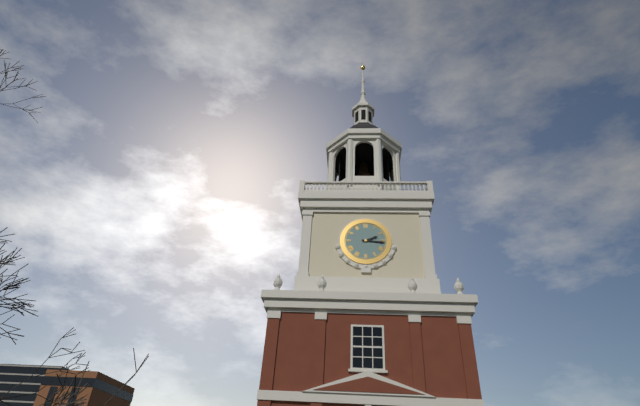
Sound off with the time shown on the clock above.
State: 2:16
